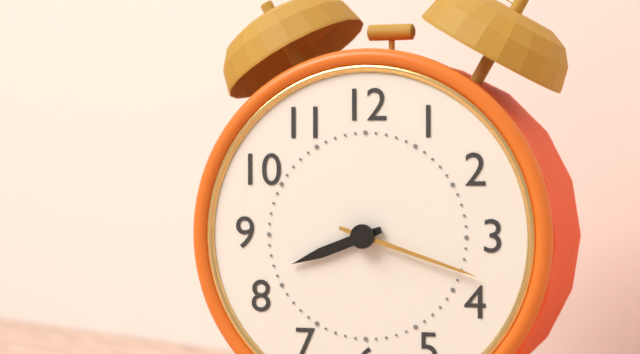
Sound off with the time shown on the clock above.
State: 8:18
